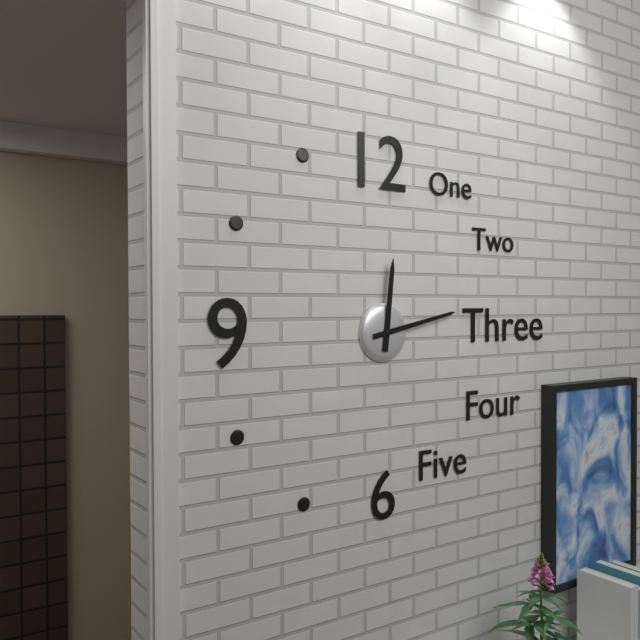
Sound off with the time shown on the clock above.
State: 12:13
